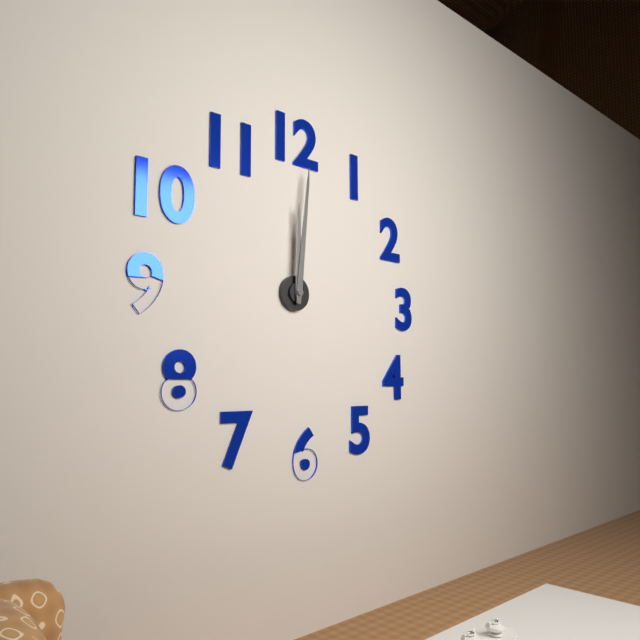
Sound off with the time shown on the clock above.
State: 12:01
